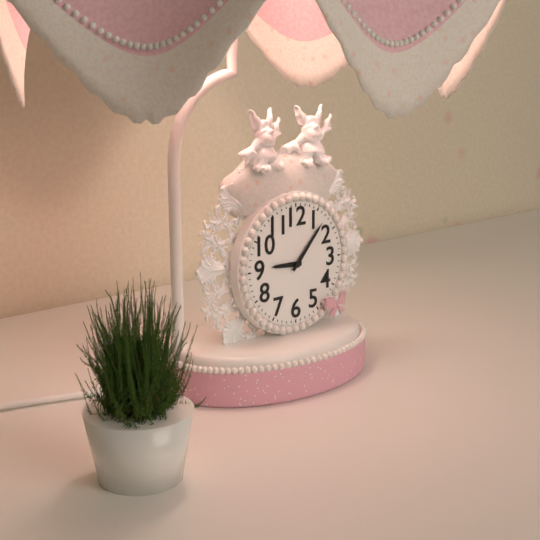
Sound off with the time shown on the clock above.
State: 9:07
